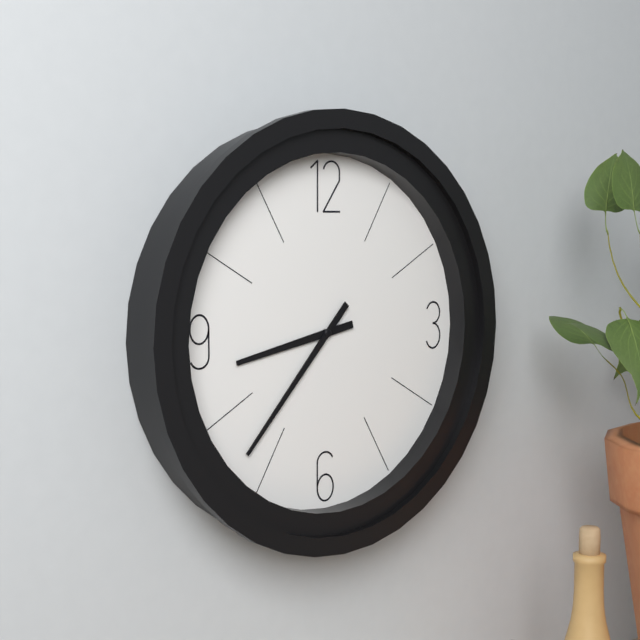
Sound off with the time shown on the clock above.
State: 8:37
